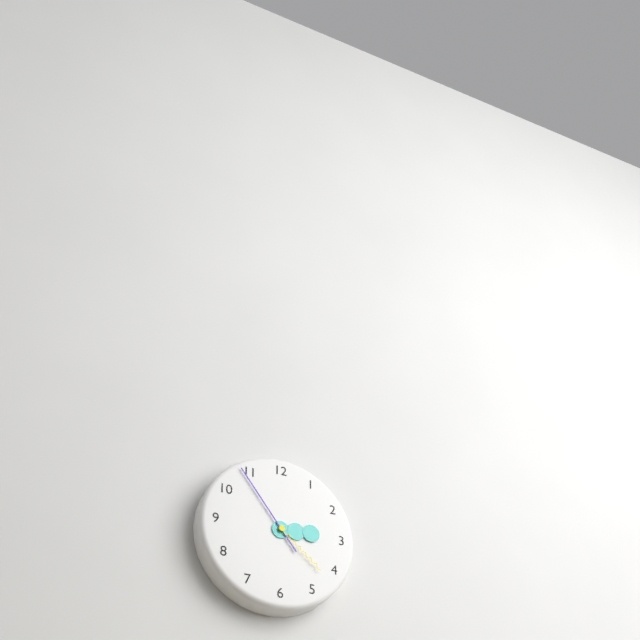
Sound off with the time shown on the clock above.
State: 2:54:22
